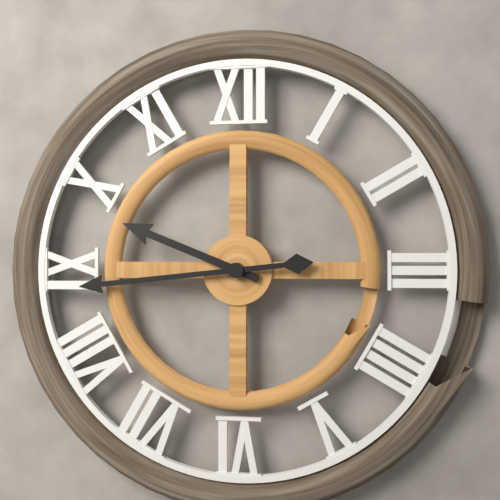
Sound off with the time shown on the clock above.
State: 9:44
